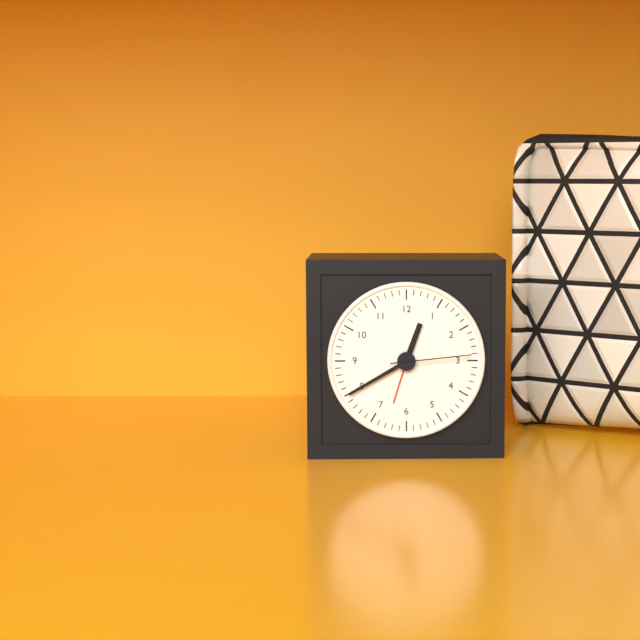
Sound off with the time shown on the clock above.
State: 12:40:14
